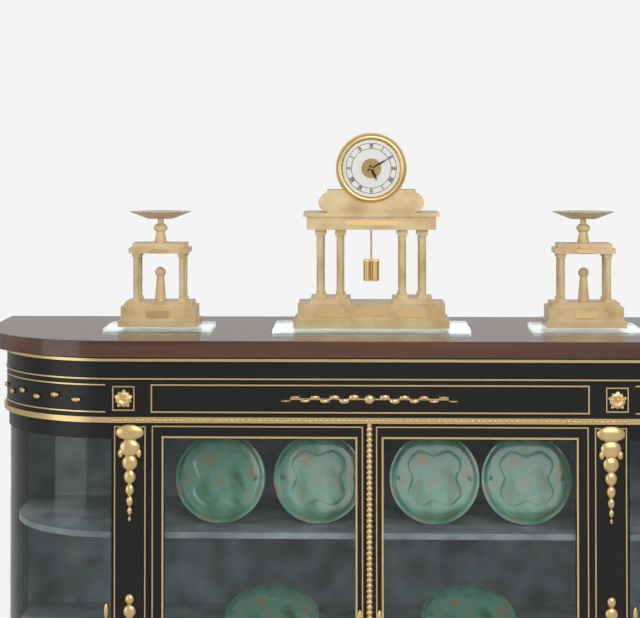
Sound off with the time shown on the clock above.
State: 5:10
